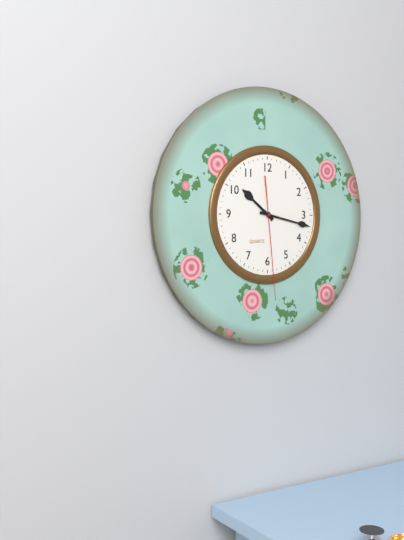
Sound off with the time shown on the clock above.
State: 10:17:29
